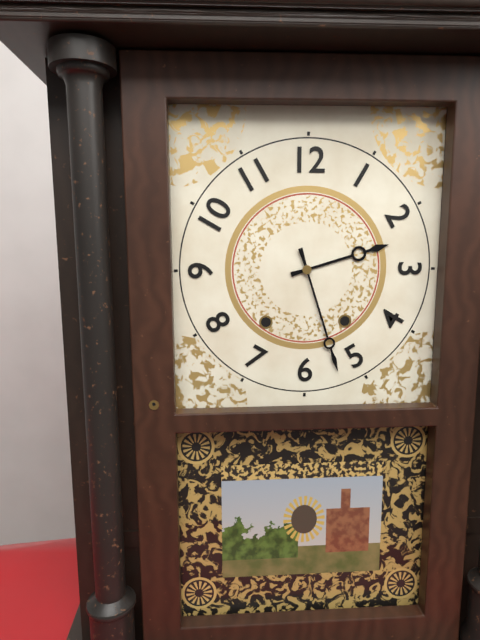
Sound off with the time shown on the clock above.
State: 2:27
